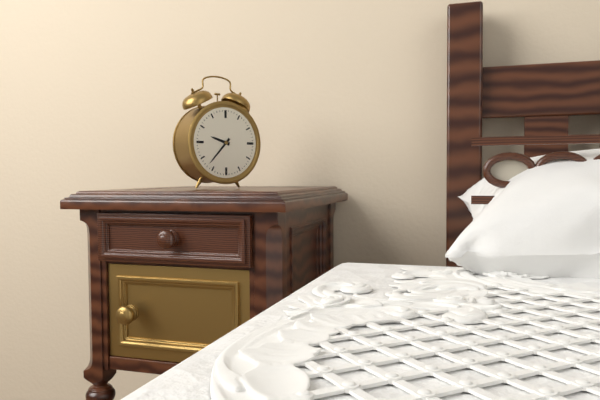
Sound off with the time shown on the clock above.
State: 9:37
